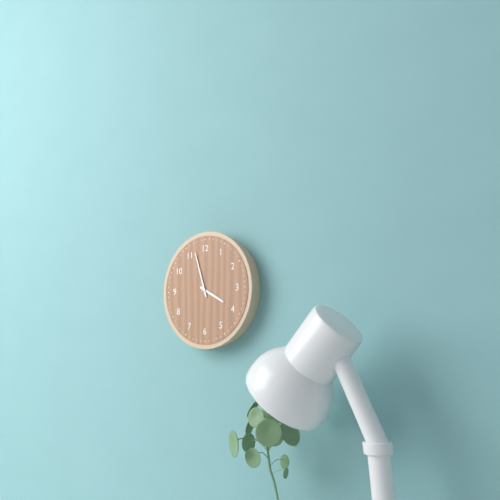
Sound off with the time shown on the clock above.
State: 3:57
